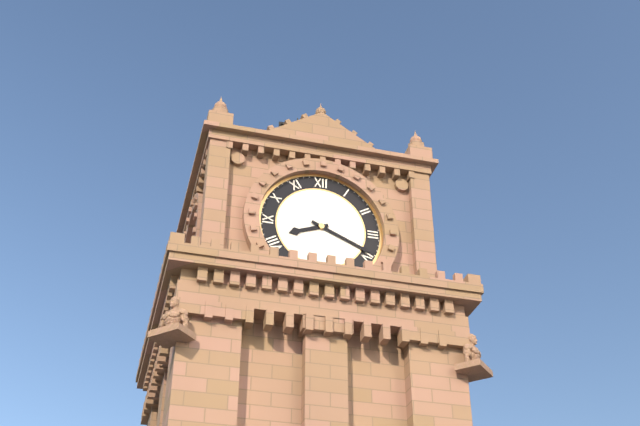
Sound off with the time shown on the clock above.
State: 8:19
